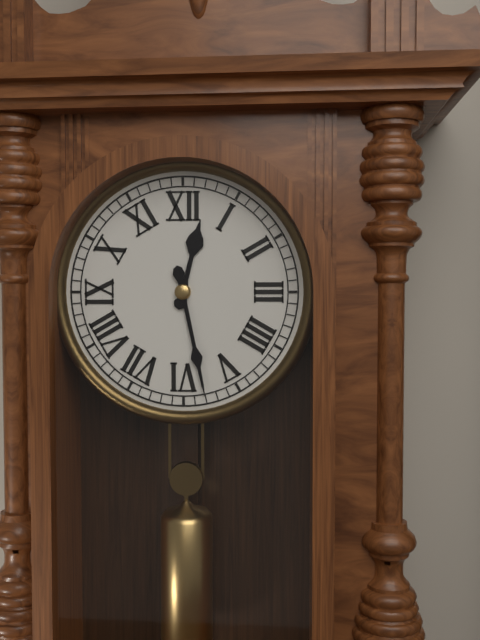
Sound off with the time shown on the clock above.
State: 12:28
